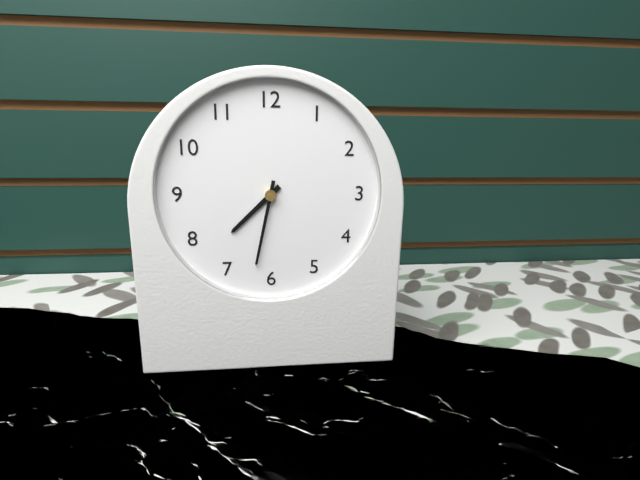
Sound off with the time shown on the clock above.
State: 7:32
